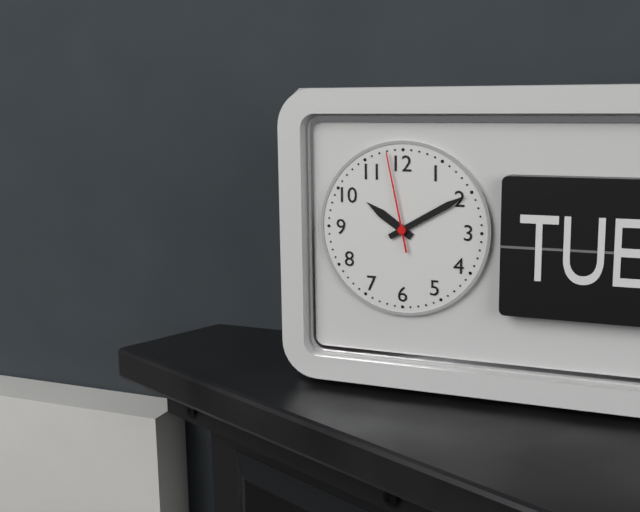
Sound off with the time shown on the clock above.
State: 10:10:58
